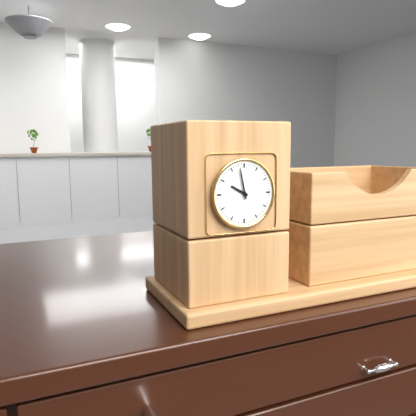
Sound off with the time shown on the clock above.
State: 9:58
